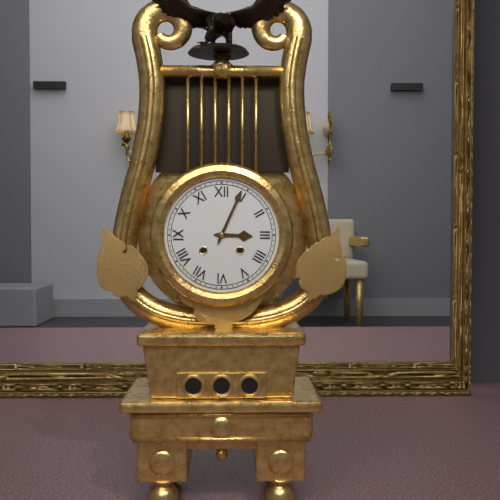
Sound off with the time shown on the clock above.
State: 3:04
